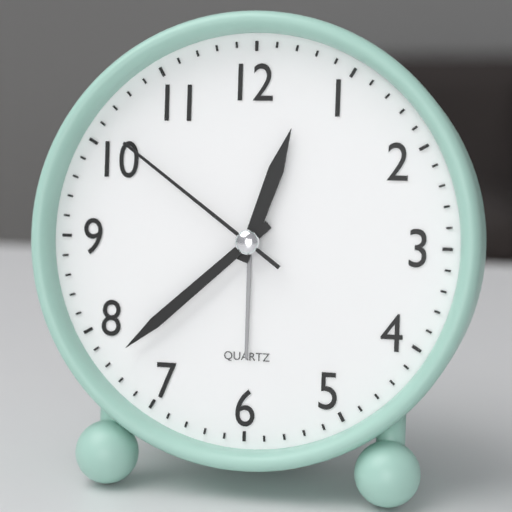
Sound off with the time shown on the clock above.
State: 12:38:51
